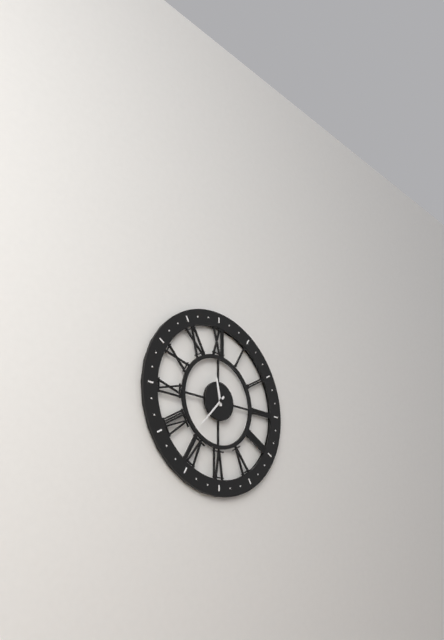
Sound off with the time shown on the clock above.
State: 11:37
